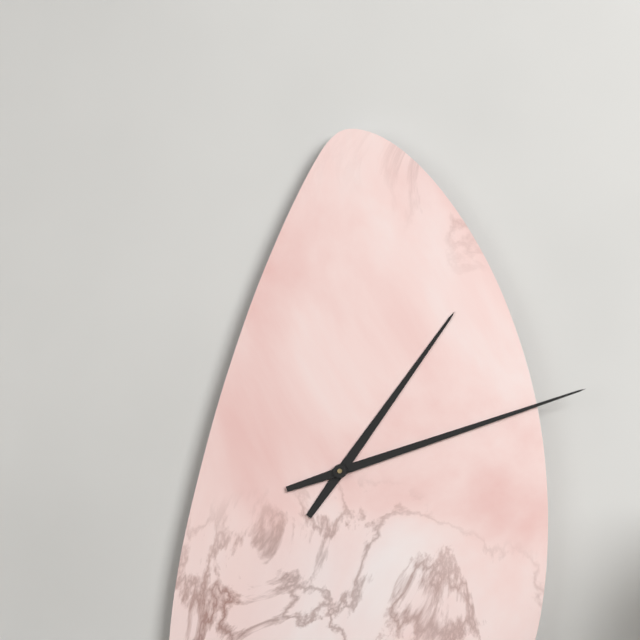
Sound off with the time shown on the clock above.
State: 1:12
